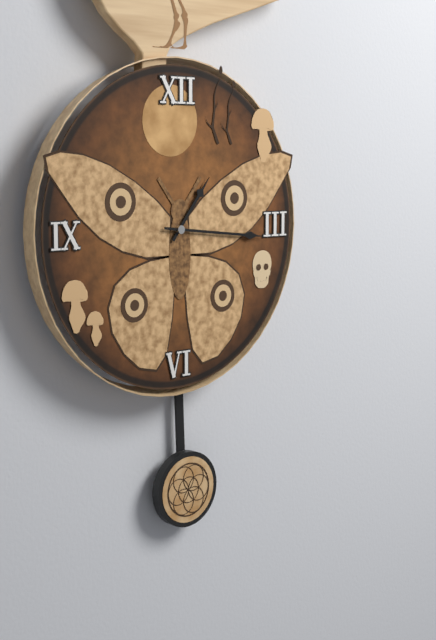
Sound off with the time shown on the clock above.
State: 1:16
